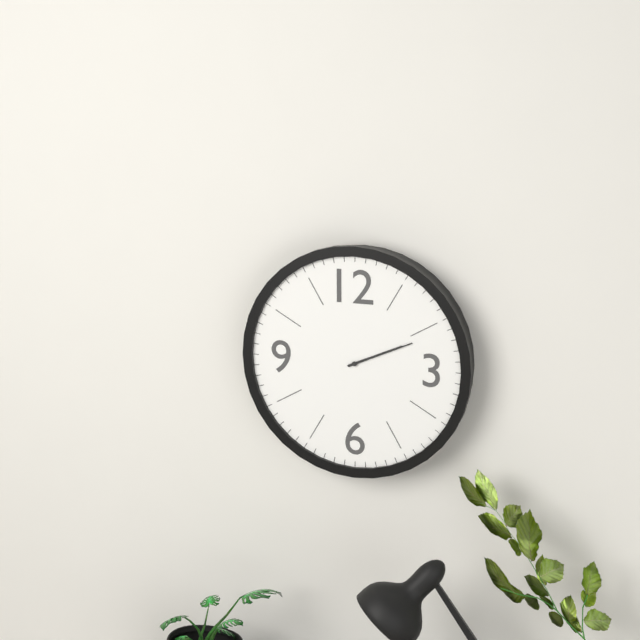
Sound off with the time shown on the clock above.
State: 2:11
